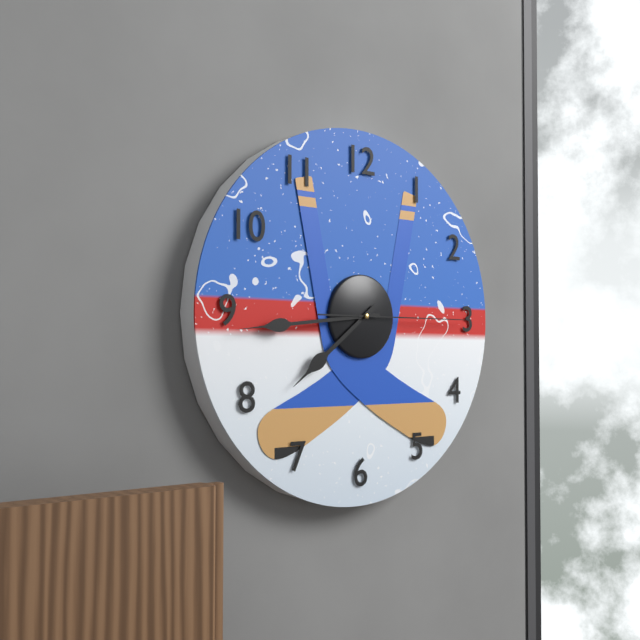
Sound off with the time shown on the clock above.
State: 7:44:15
